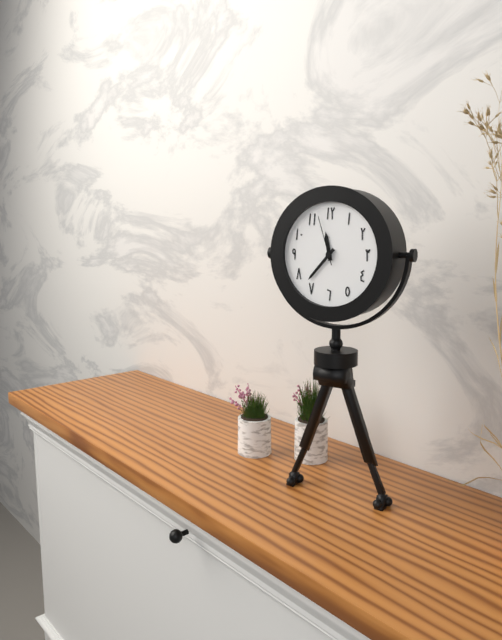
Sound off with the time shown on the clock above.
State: 11:37
